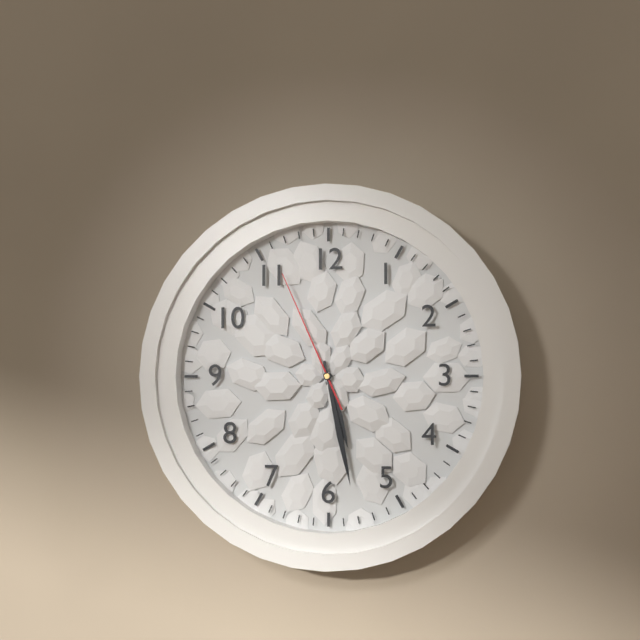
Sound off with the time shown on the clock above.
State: 5:28:56
